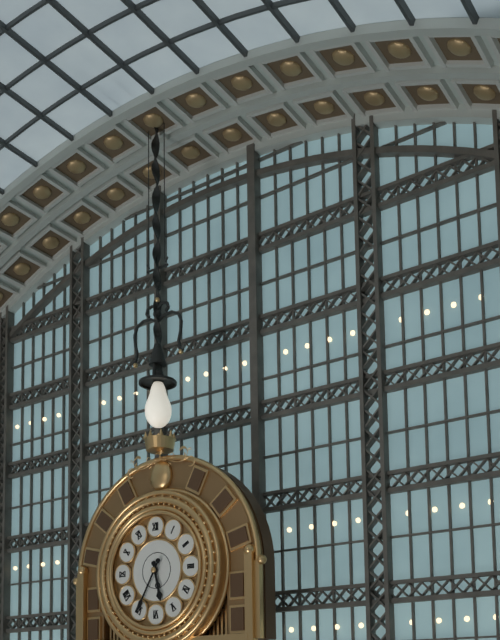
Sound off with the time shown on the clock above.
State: 5:35
